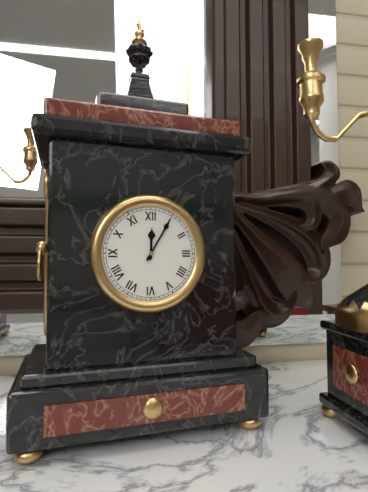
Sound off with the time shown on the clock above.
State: 12:05
